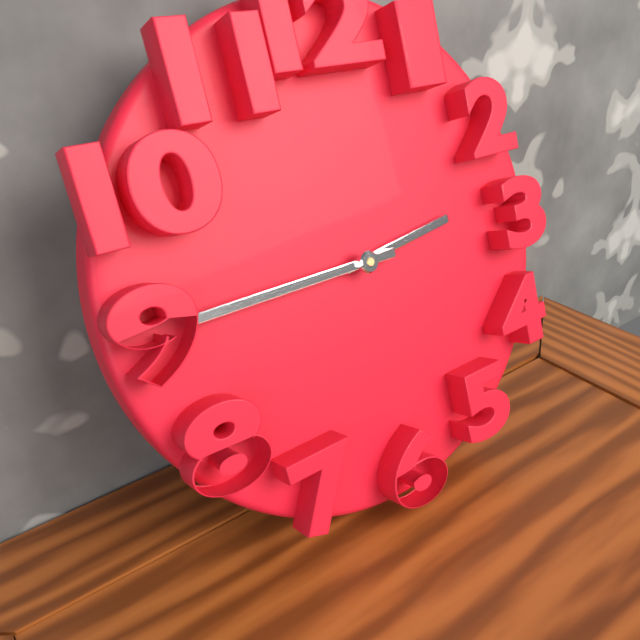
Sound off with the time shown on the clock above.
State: 2:45
